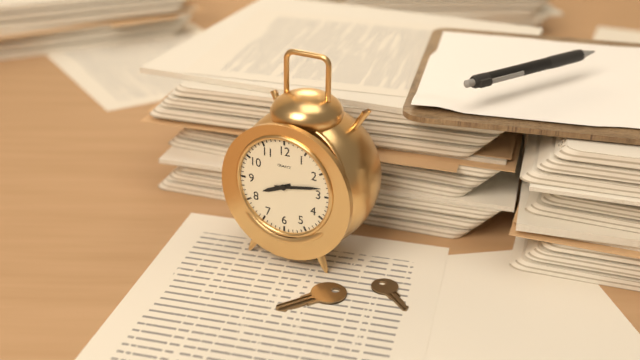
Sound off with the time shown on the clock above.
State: 8:13
